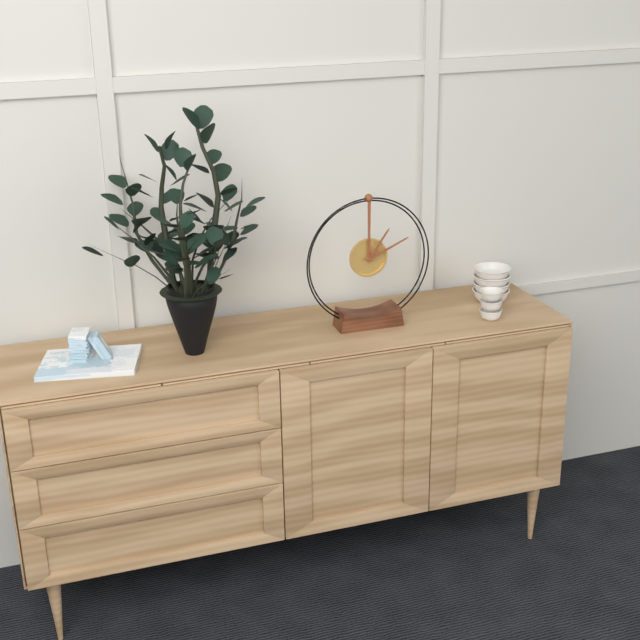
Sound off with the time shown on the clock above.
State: 1:11
